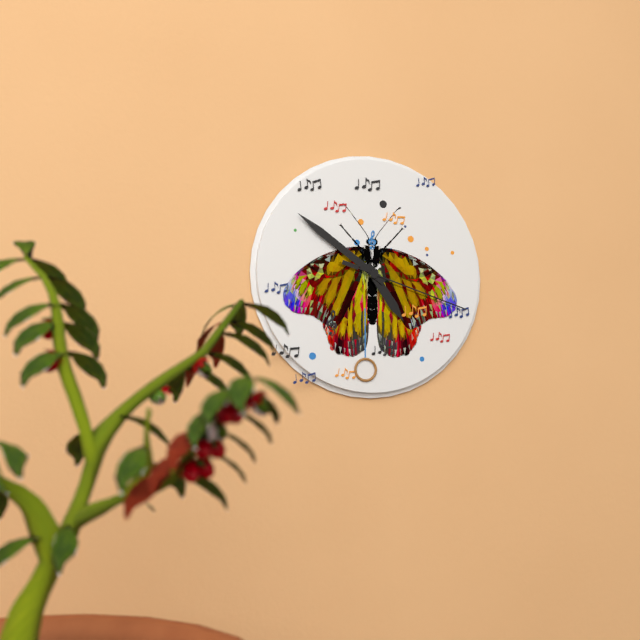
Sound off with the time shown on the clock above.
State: 4:51:18
